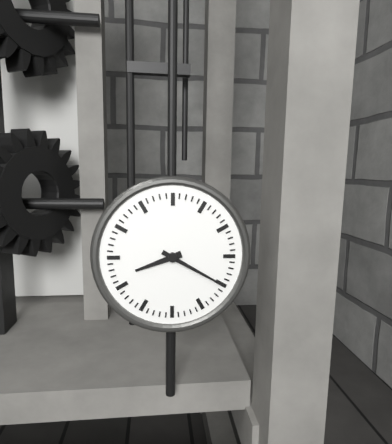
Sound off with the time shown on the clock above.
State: 8:20
